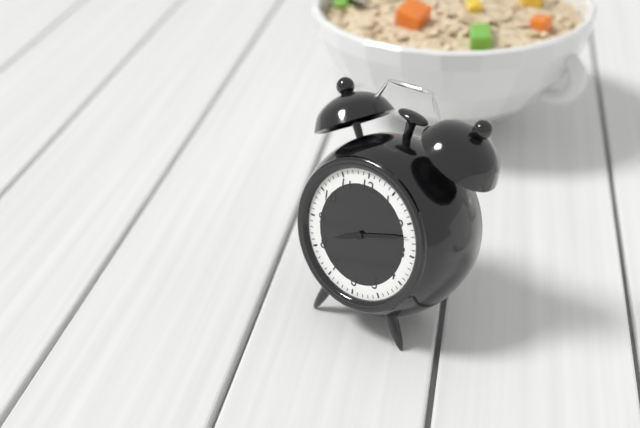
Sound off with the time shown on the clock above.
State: 8:12
